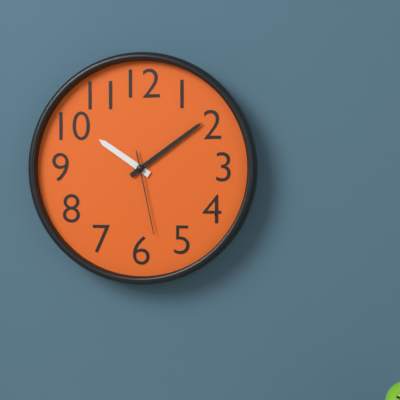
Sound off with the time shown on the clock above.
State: 10:09:28
